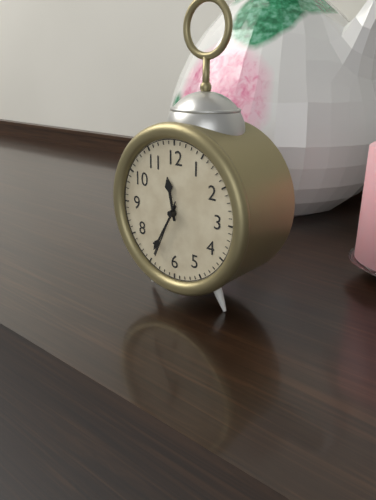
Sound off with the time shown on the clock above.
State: 11:35:34
